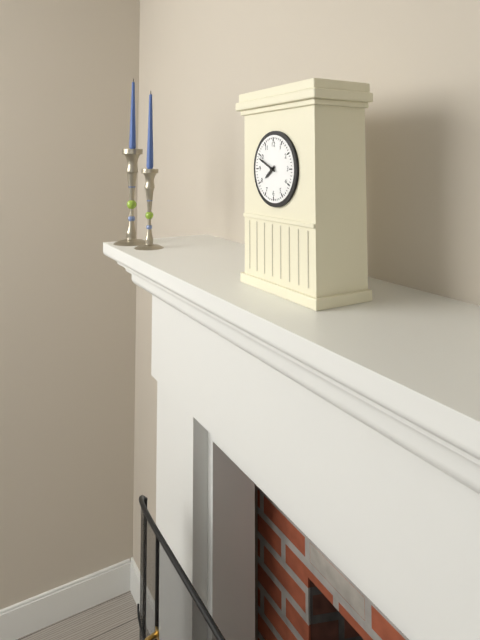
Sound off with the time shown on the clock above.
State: 7:49
